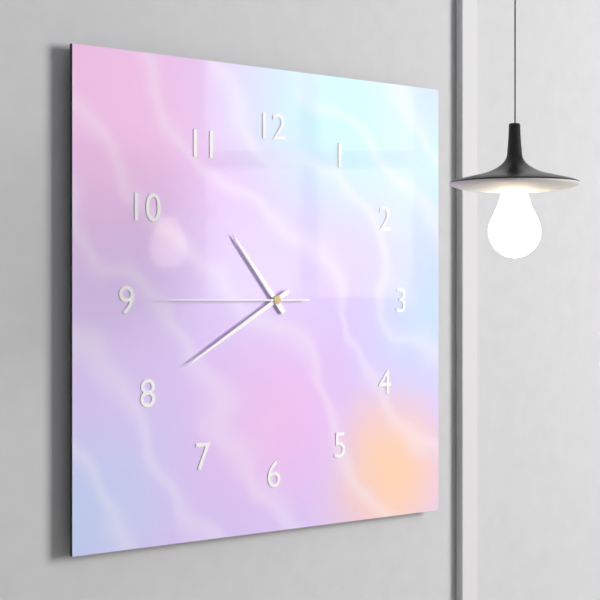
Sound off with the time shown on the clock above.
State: 10:40:45
